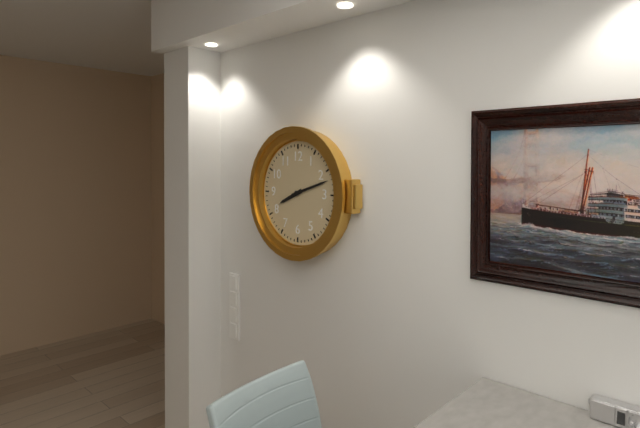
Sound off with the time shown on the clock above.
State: 8:12
